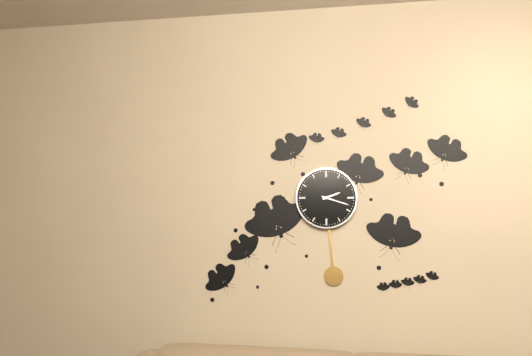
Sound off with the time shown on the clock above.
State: 2:18
